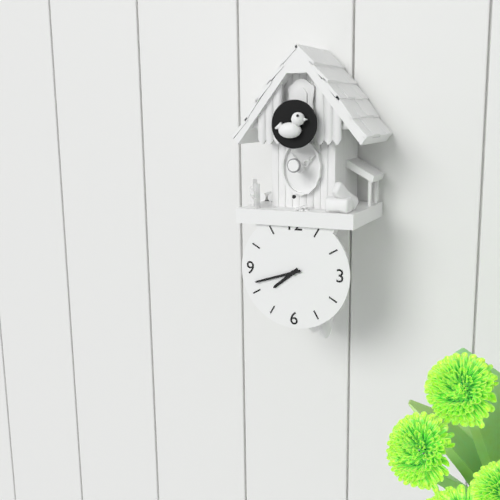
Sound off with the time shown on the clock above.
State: 7:42
